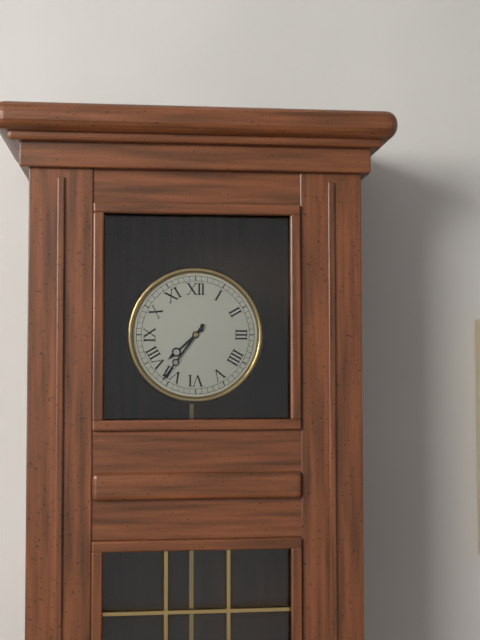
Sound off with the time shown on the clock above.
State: 7:36
